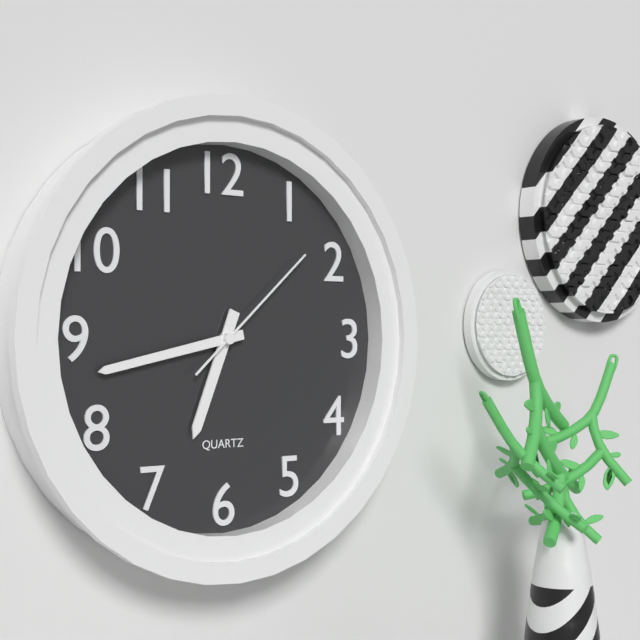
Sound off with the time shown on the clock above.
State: 6:43:08
